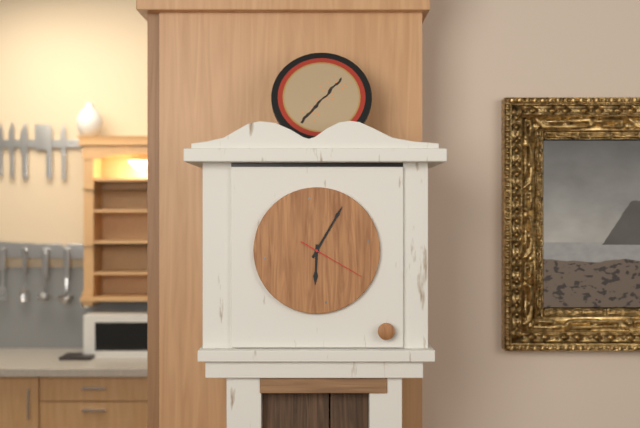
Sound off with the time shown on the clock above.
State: 6:05:20
